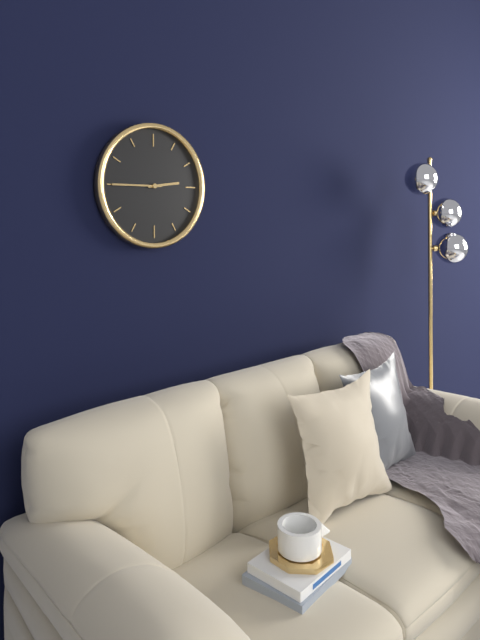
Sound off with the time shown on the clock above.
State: 2:45
